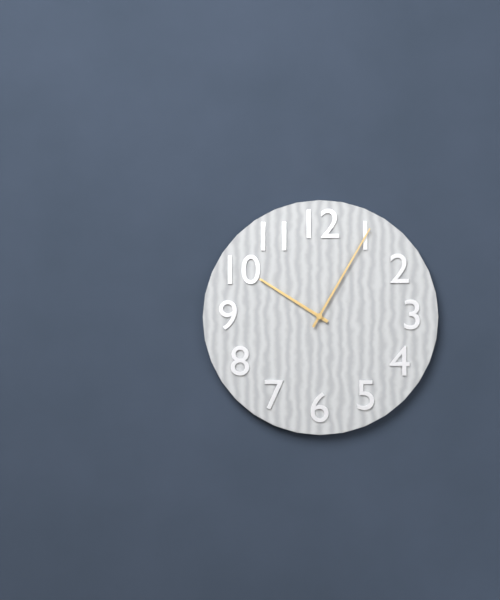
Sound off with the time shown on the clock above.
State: 10:05
